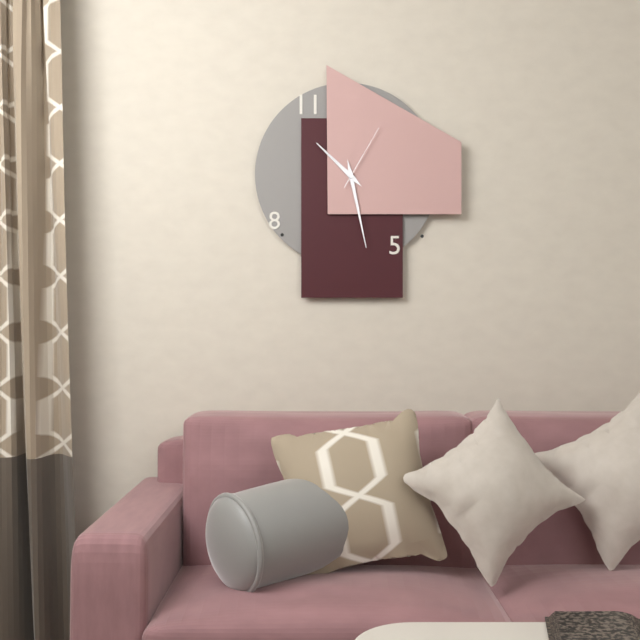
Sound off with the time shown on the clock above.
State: 10:28:05
